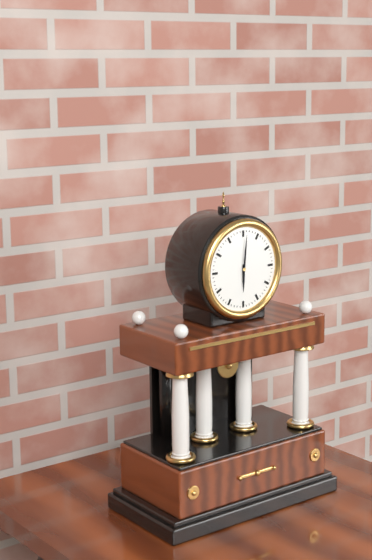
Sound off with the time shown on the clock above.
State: 6:01
